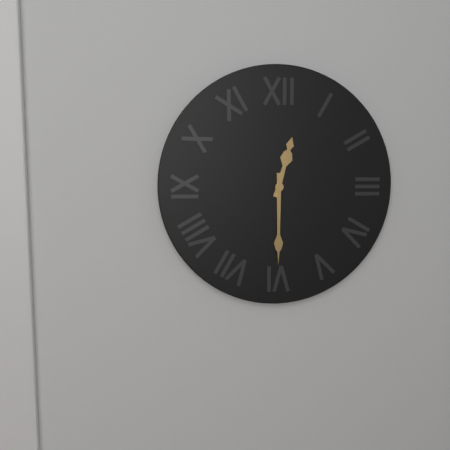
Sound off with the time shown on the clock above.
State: 12:30
